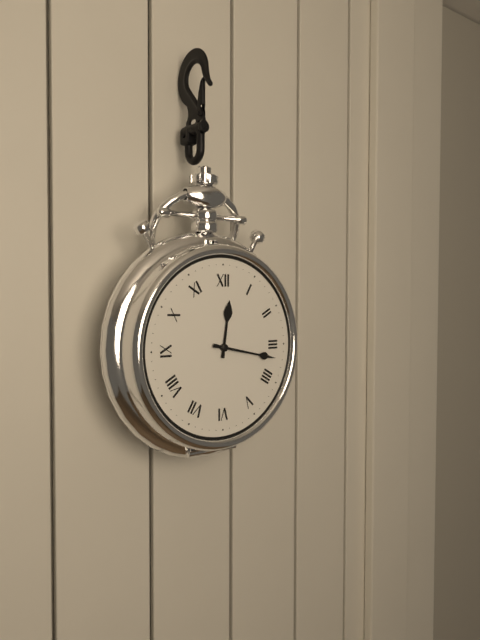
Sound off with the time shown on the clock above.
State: 12:17
